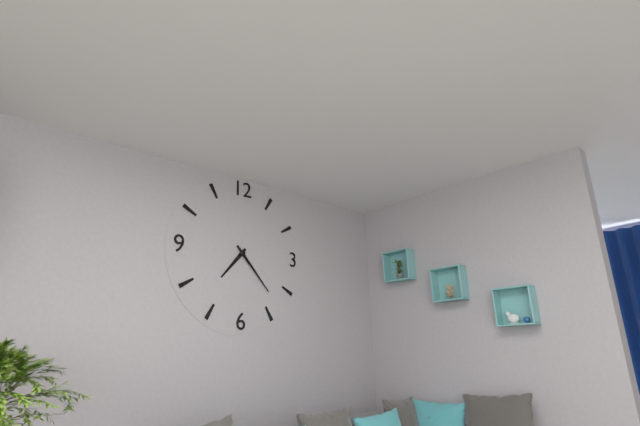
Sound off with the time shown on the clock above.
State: 7:23
